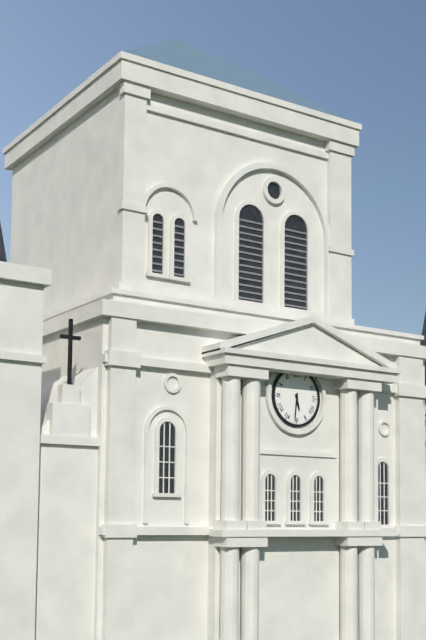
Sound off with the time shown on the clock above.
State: 5:31
